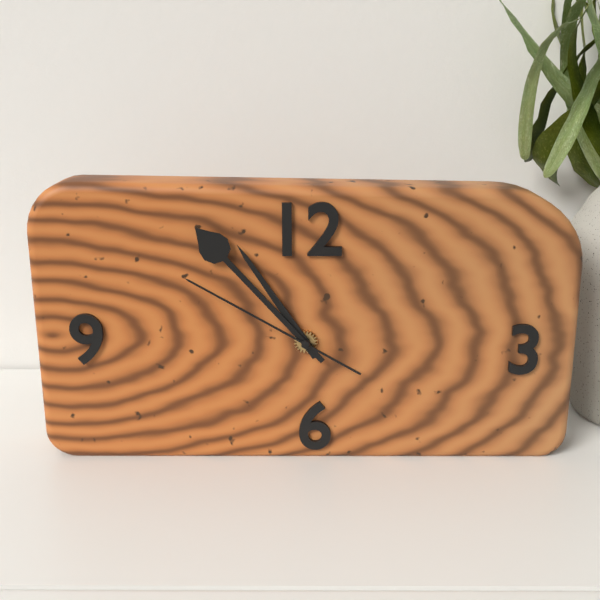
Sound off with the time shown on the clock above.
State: 10:53:50
